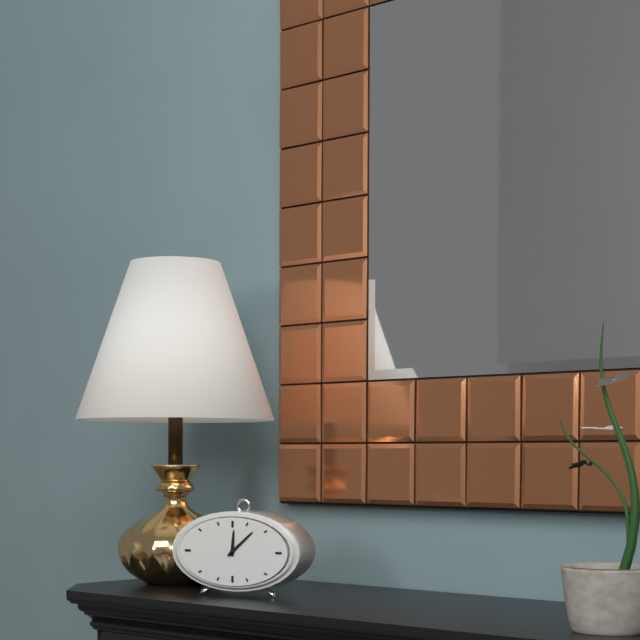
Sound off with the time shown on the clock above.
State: 12:08
